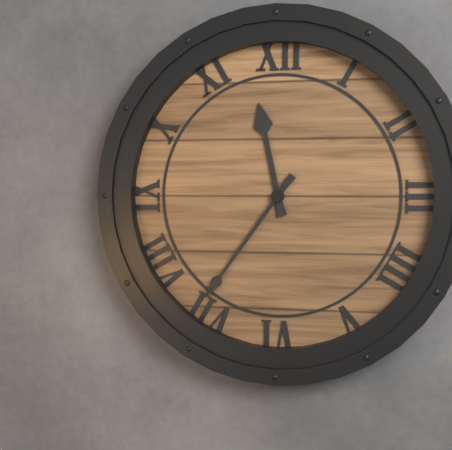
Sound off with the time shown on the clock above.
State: 11:36
